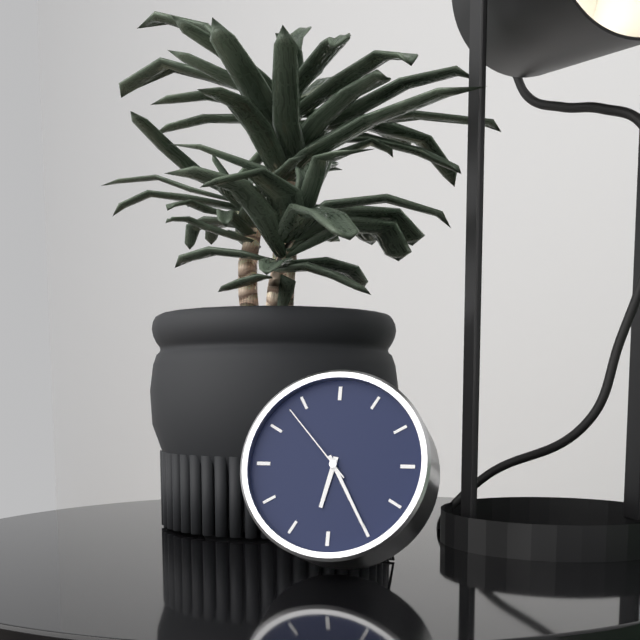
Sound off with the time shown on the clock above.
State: 6:25:53
